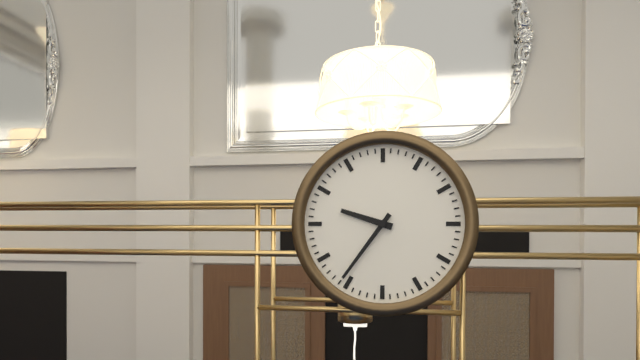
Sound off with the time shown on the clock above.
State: 9:36
